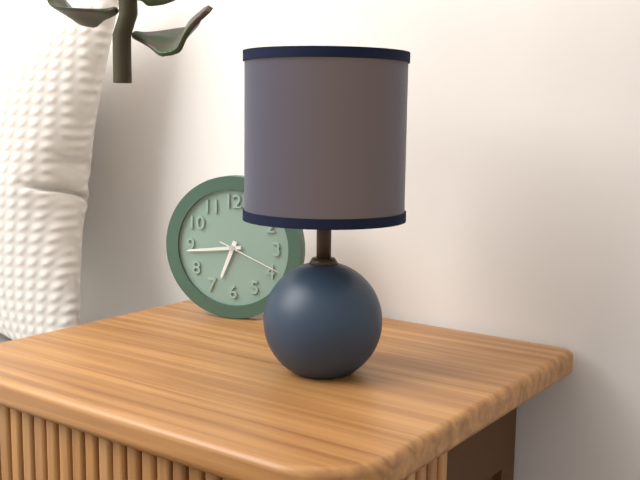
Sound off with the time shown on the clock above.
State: 6:44:19
